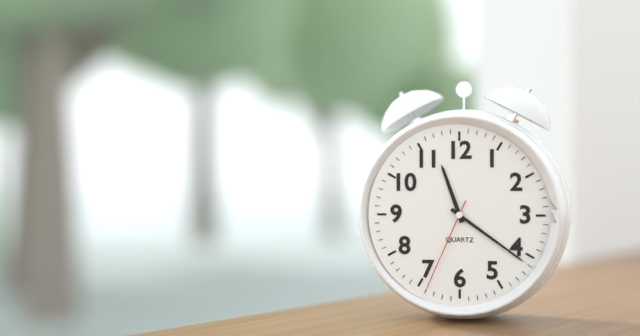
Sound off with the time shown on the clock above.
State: 11:21:34
